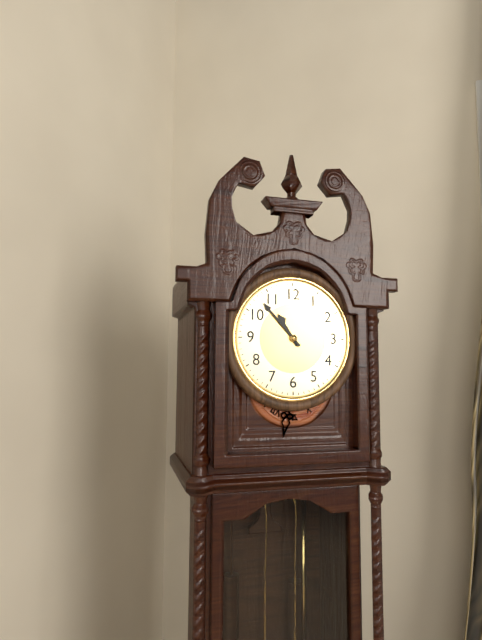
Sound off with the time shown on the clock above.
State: 10:53
